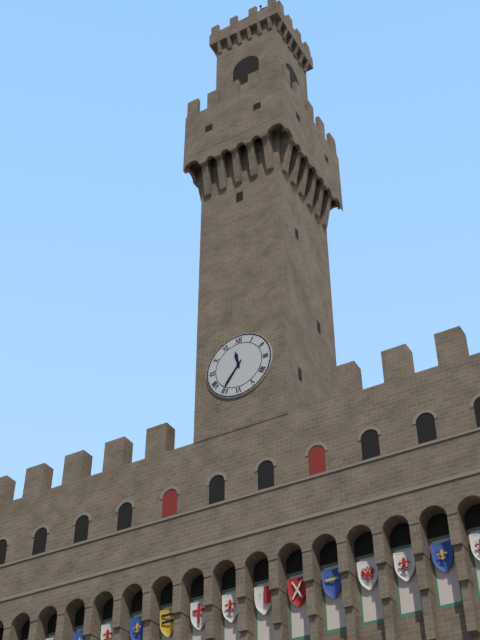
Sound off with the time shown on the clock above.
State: 11:36
